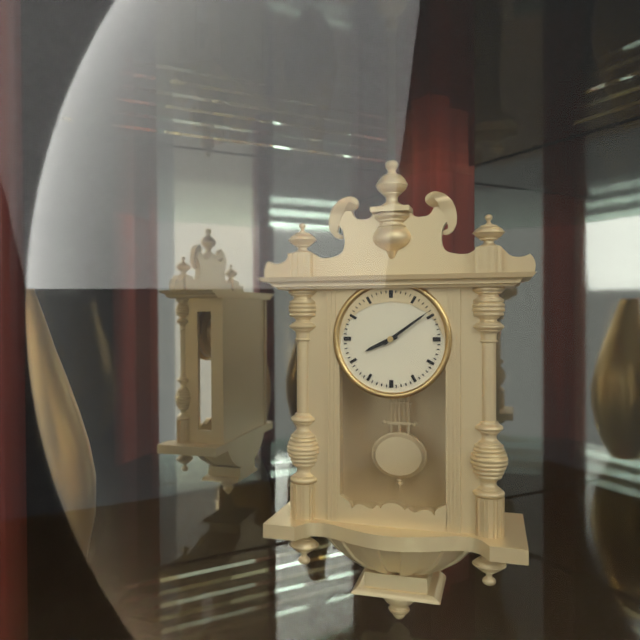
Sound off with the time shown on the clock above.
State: 8:09
